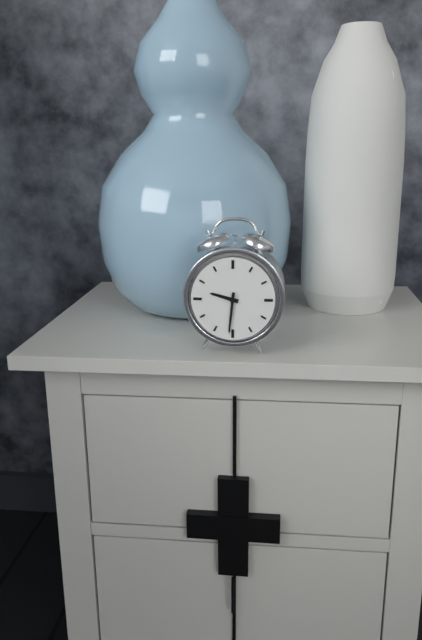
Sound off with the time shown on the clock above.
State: 9:31
